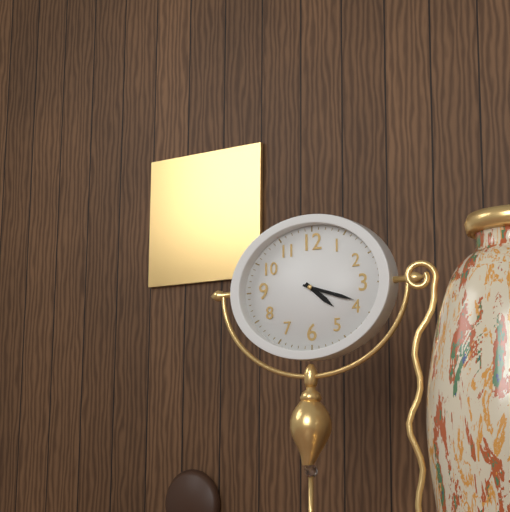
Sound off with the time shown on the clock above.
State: 4:18
